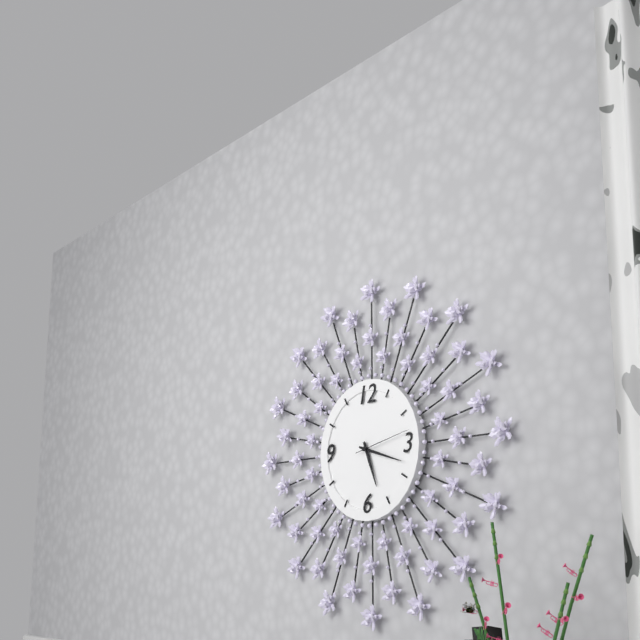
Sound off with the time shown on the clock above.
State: 5:18:13
